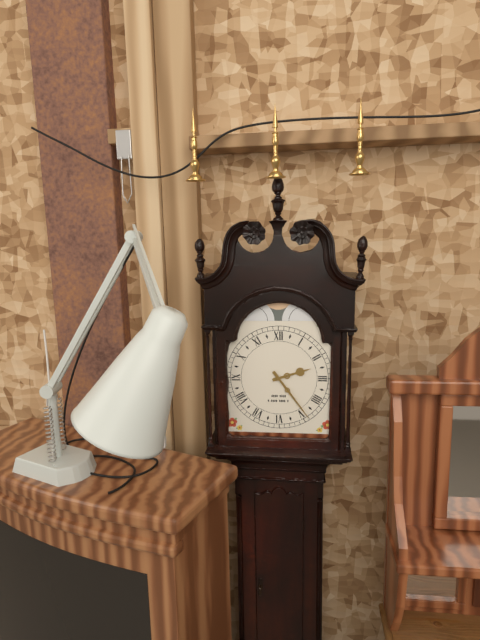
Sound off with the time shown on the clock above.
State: 2:24
